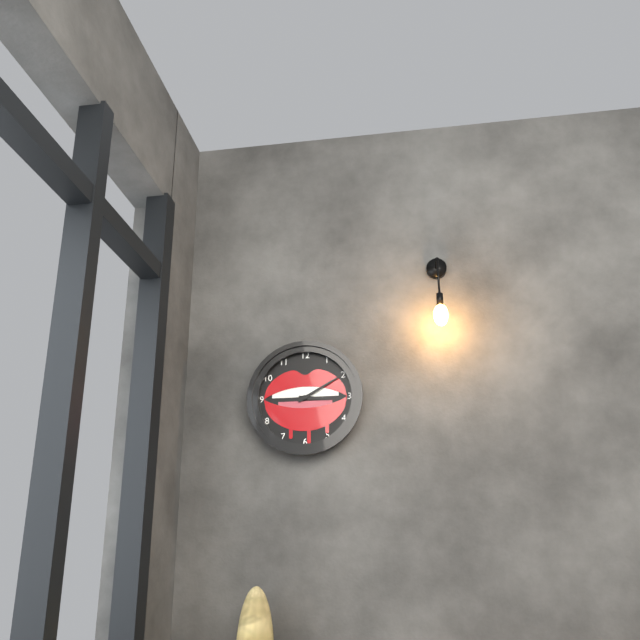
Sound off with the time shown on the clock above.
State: 3:10
